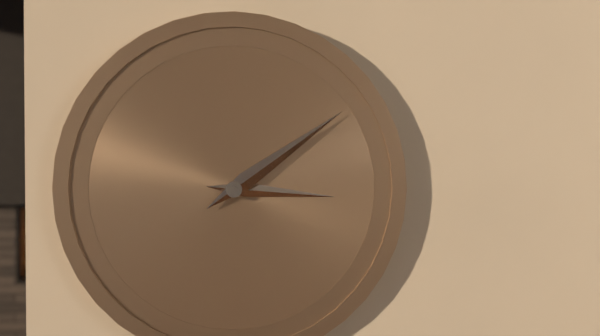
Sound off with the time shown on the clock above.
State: 3:09
